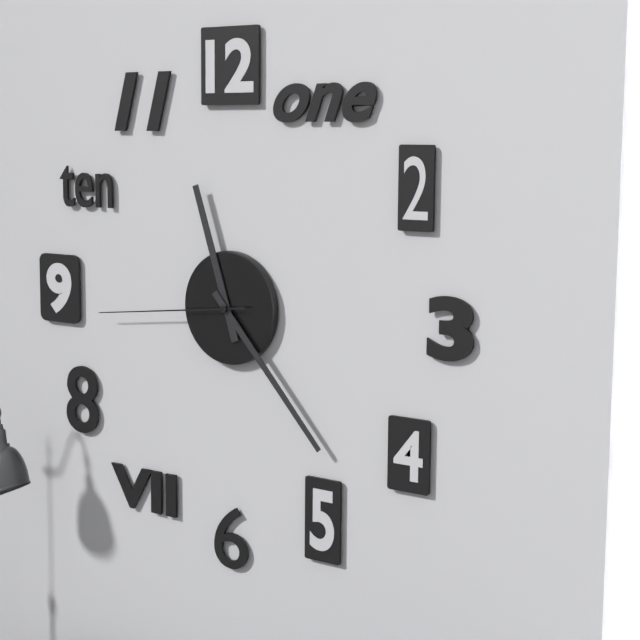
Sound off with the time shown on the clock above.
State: 11:23:44
